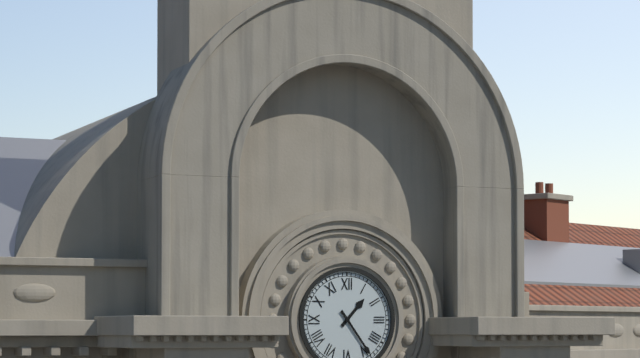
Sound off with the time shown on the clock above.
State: 1:24
